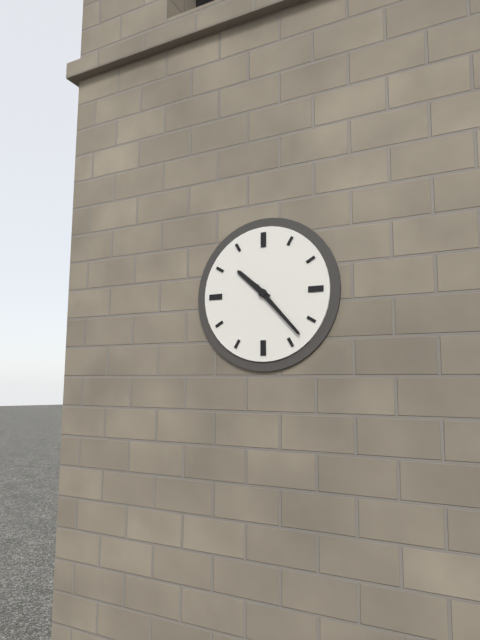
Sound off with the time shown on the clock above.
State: 10:23
